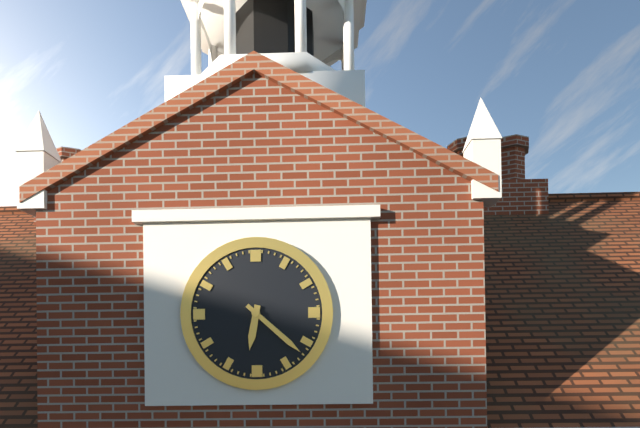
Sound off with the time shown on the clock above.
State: 6:22
